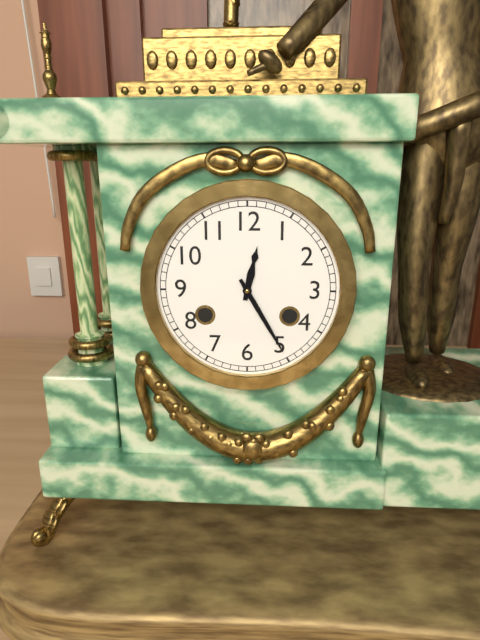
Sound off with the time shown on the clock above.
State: 12:25
